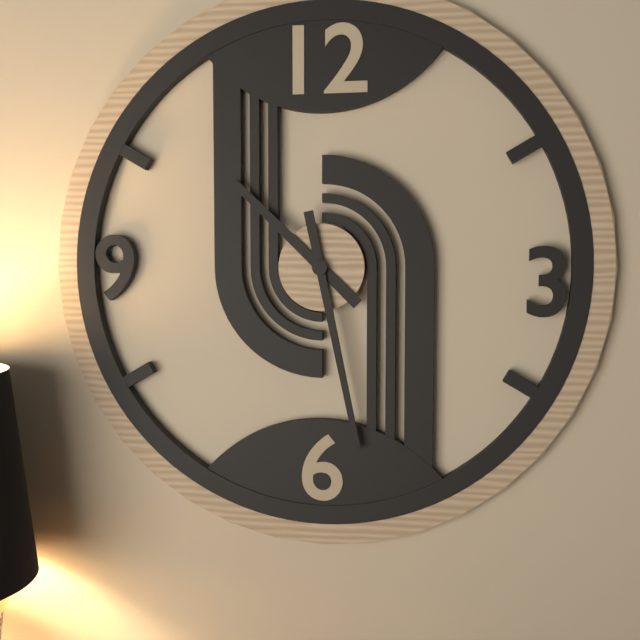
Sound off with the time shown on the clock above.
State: 10:28
